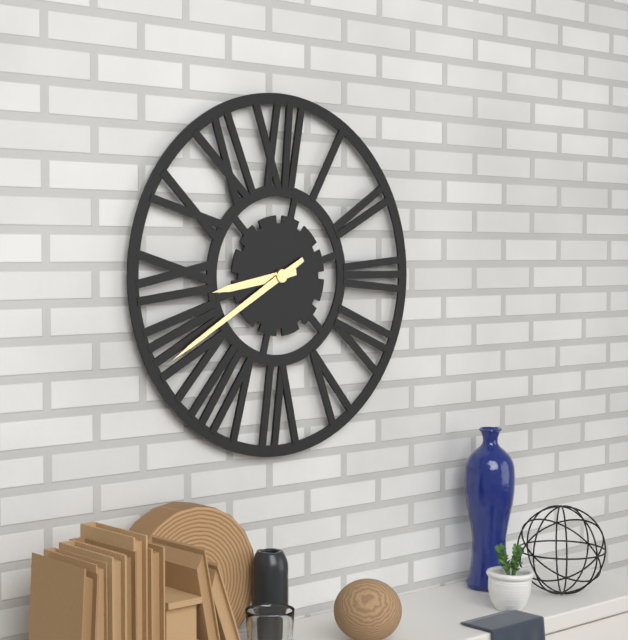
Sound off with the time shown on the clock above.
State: 8:40
